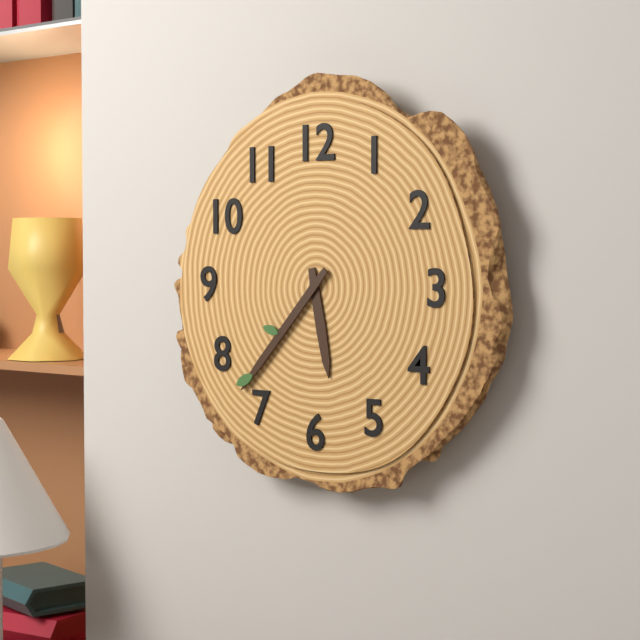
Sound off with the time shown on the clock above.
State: 5:37
